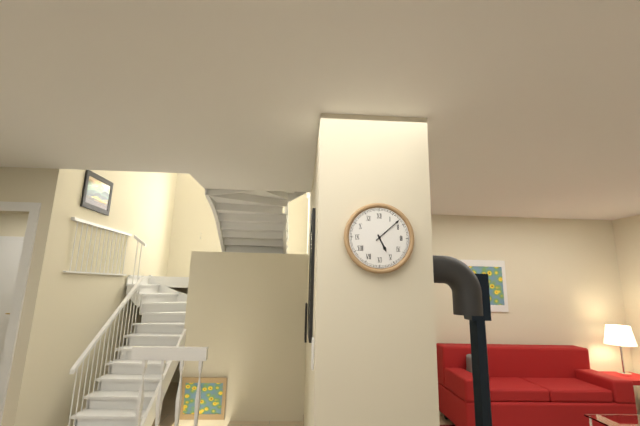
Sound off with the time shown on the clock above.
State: 5:08
